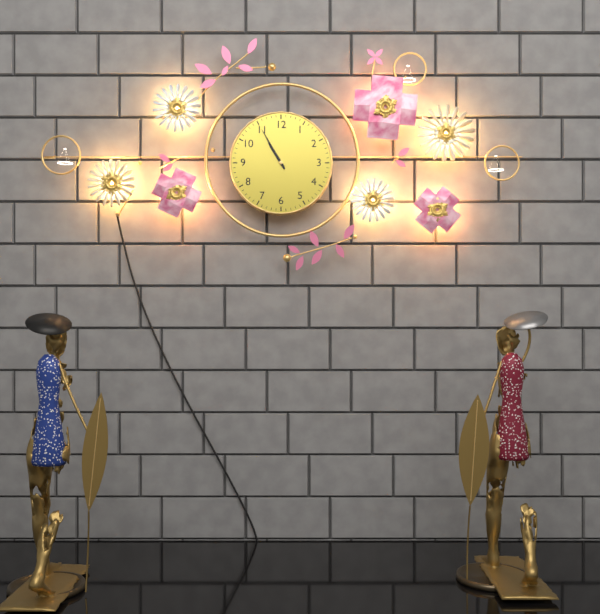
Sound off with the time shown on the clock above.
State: 10:55
